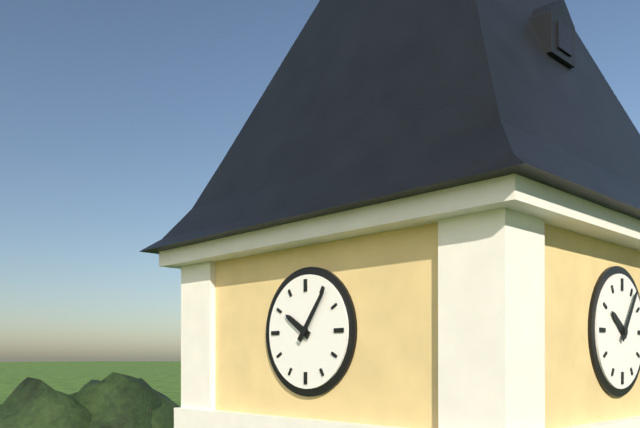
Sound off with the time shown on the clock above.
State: 10:06
